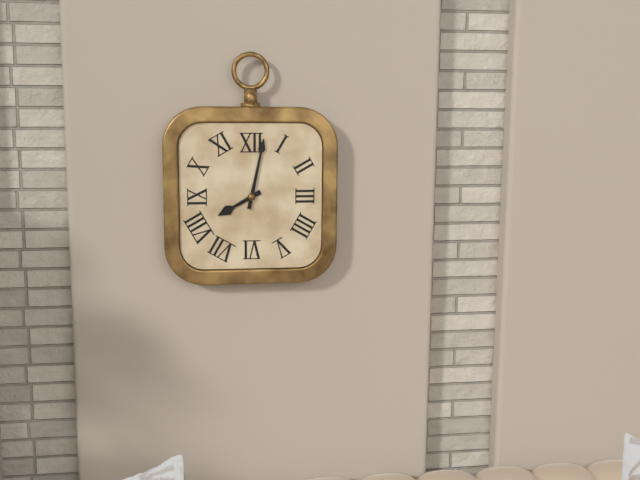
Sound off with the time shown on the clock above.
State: 8:02
